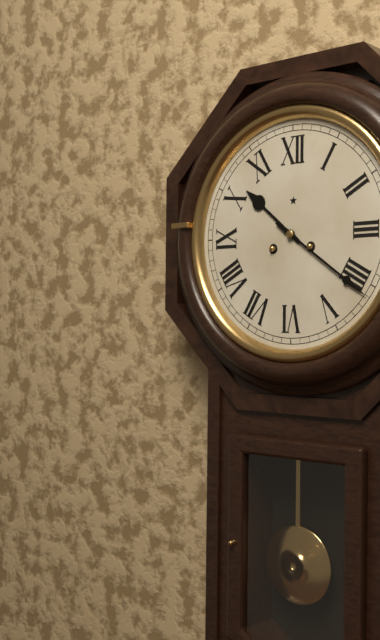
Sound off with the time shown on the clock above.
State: 10:21
